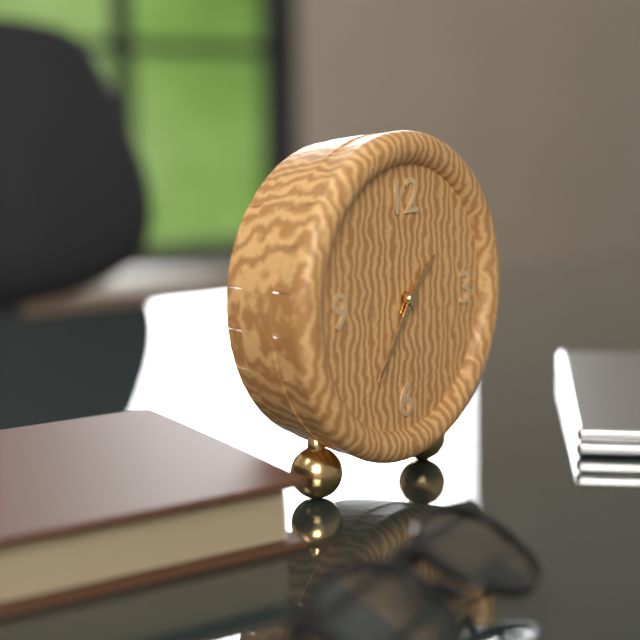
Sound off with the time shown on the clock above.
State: 1:36
